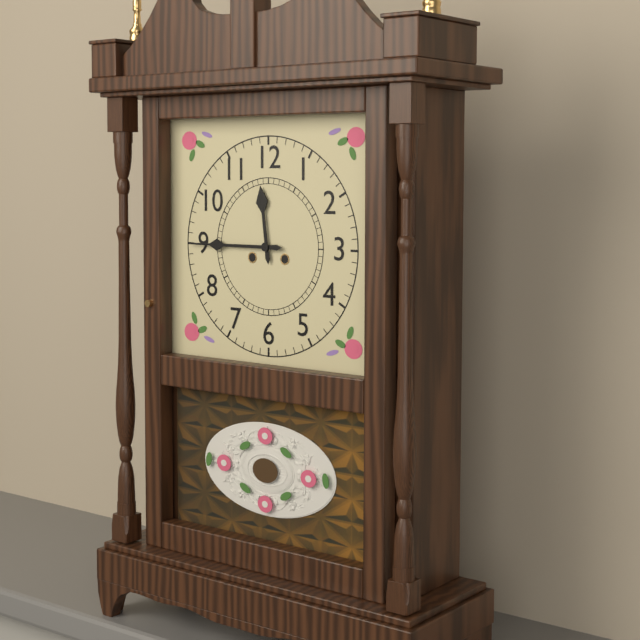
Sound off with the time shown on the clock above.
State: 11:45
